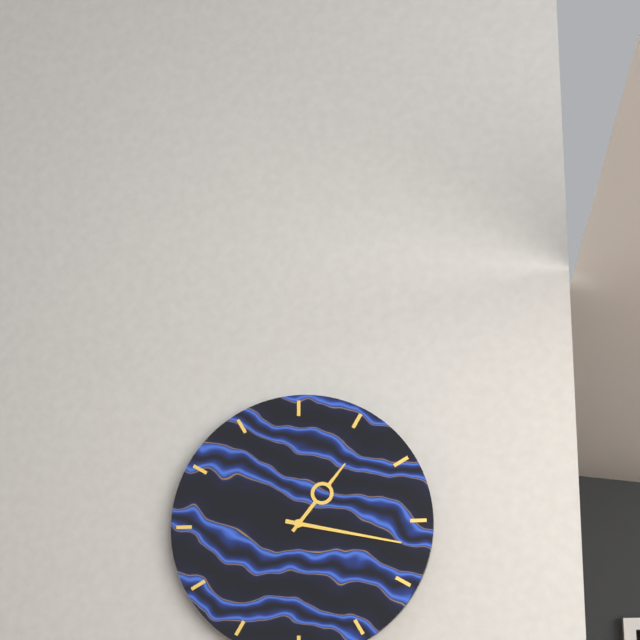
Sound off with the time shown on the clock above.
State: 1:17
